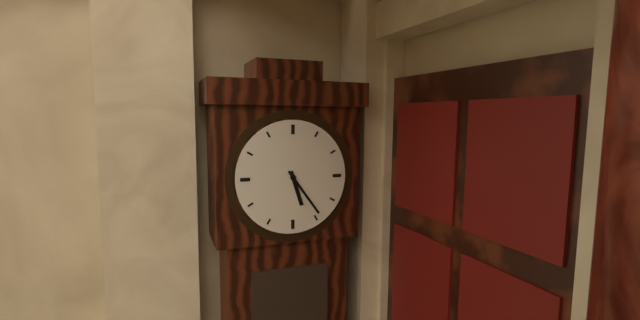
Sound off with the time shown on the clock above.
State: 5:24
